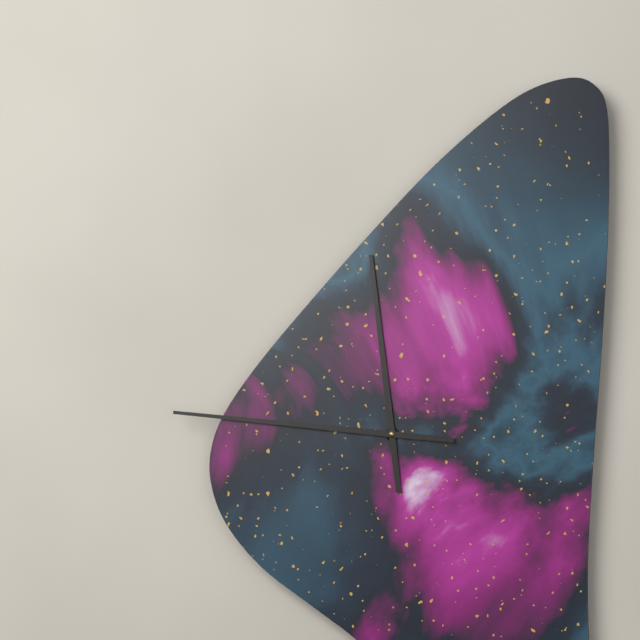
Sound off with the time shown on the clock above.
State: 11:46
